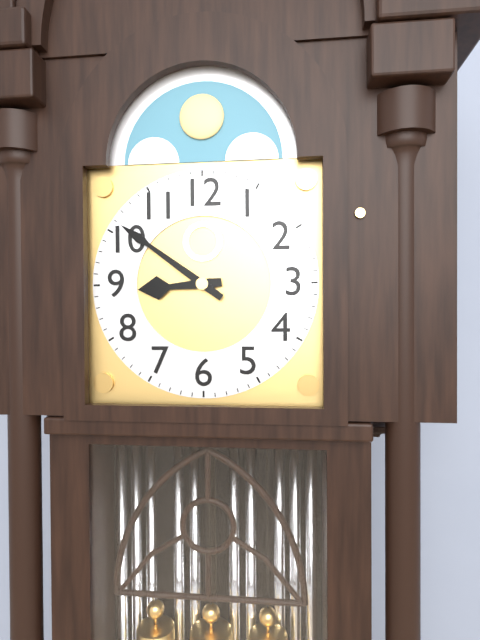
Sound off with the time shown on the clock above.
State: 8:51
